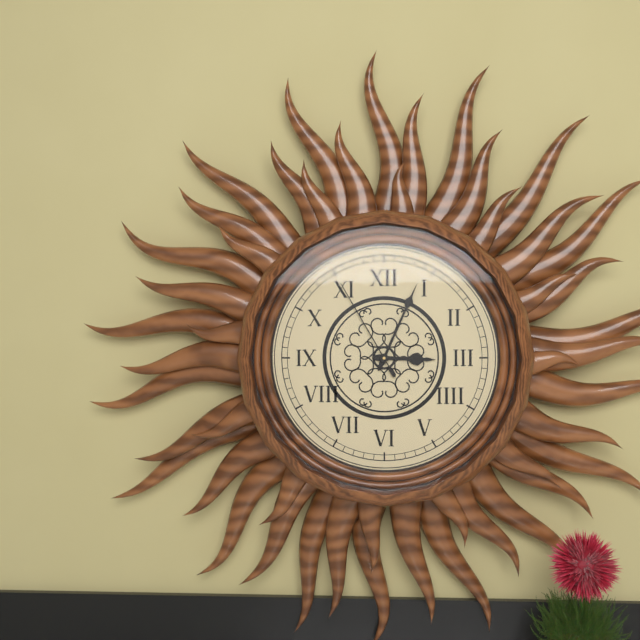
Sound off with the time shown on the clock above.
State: 3:04:55
